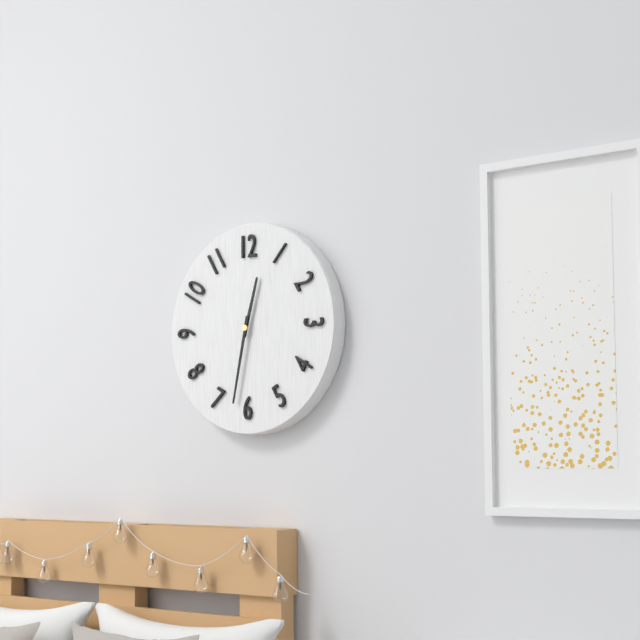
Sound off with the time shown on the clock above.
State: 12:32
